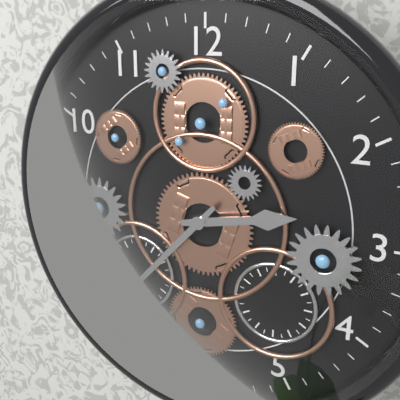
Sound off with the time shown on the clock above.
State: 2:37
